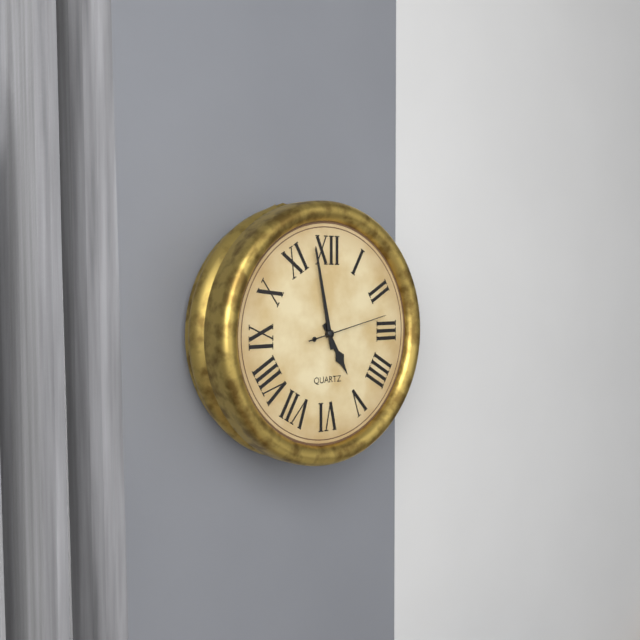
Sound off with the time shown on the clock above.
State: 4:58:13
